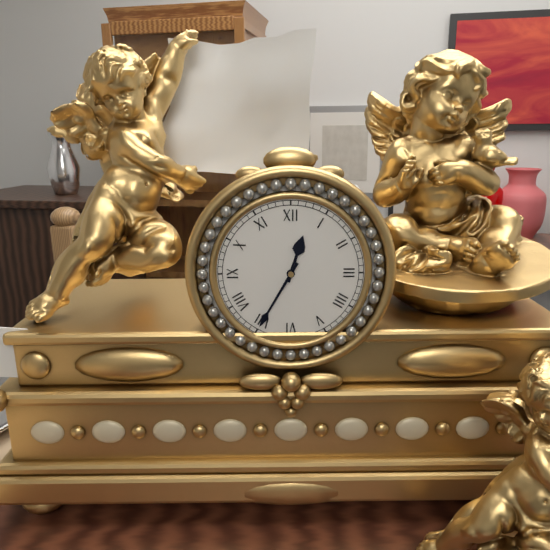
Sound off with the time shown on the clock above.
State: 12:35
